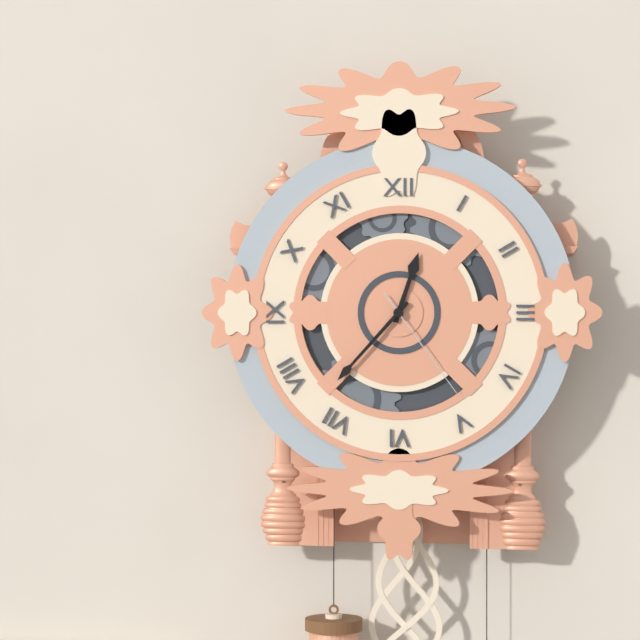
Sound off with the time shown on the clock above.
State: 12:37:24
